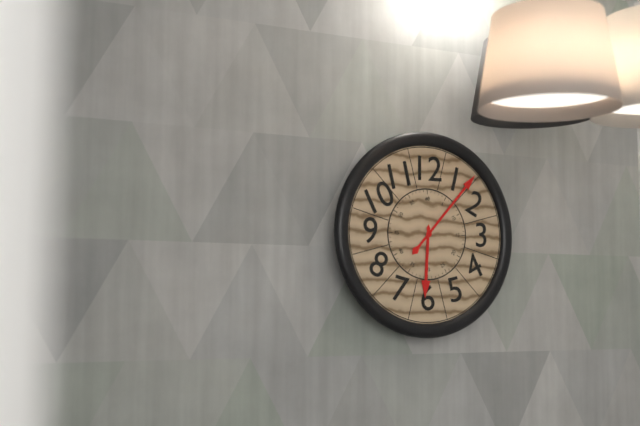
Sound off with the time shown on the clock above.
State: 6:07
